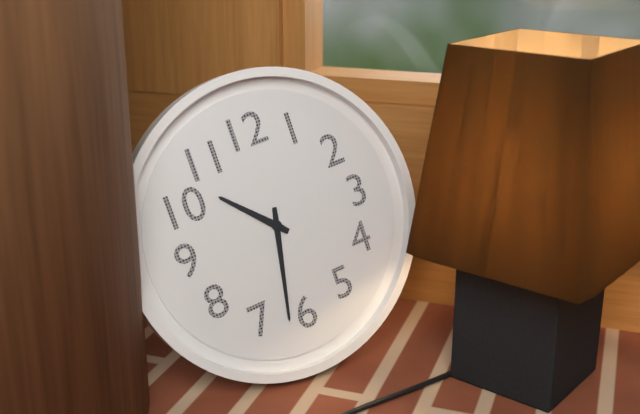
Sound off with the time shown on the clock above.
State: 10:32
